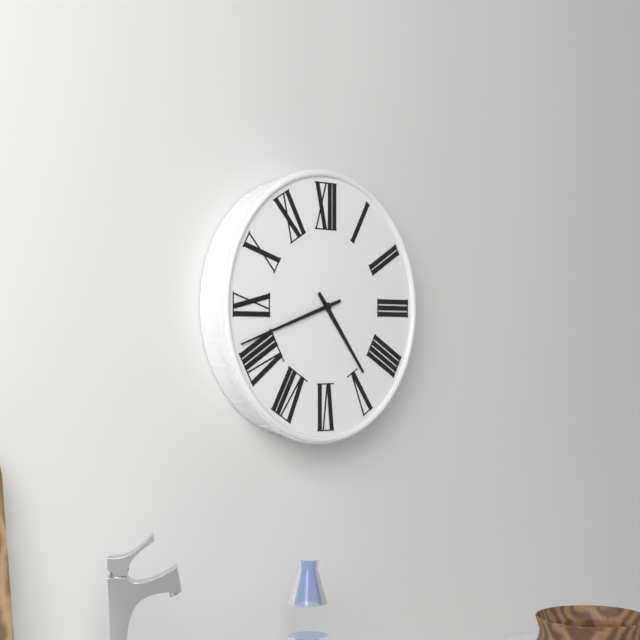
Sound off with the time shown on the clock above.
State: 4:42
